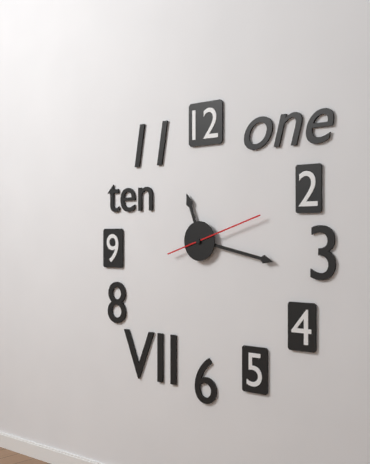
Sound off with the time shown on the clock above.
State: 11:17:12
